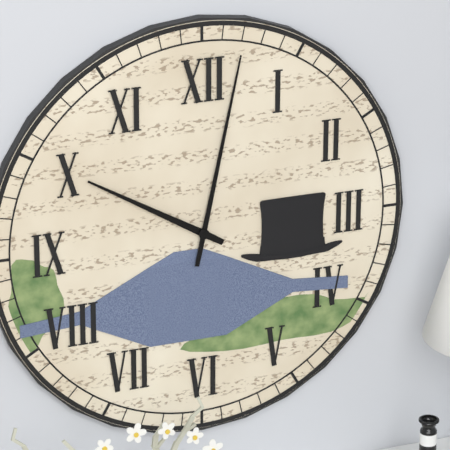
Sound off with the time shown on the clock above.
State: 10:02
